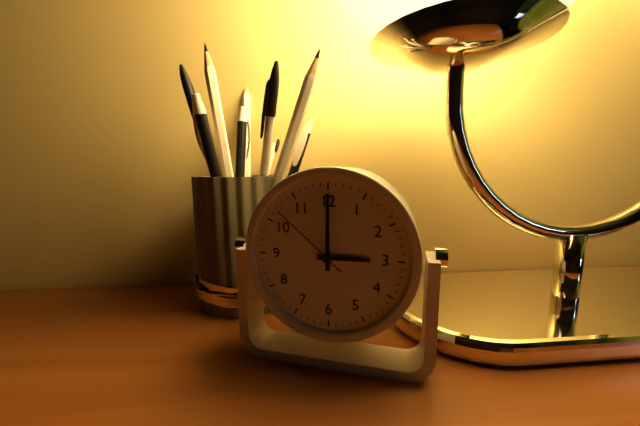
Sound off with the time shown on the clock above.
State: 3:00:52
